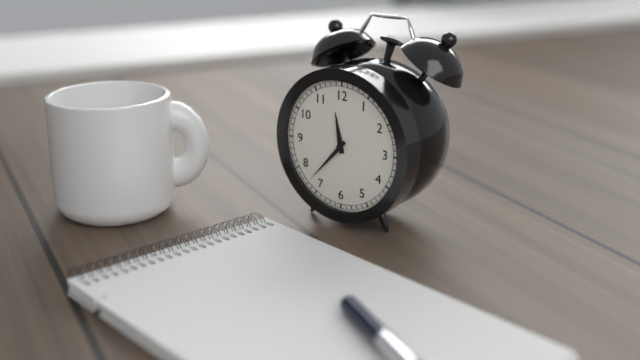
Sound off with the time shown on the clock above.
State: 11:37
